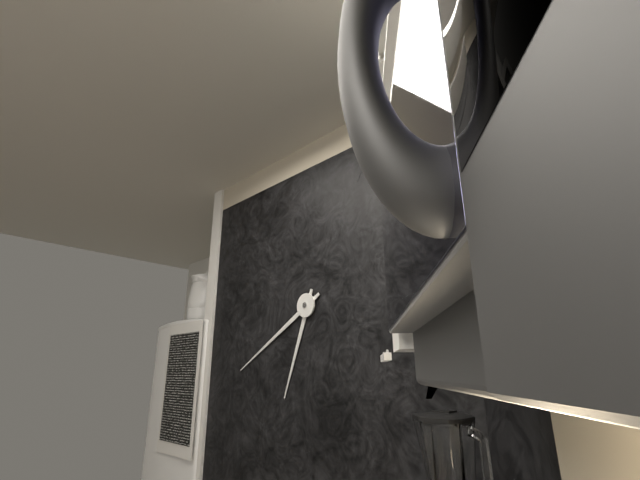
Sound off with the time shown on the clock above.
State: 6:40
